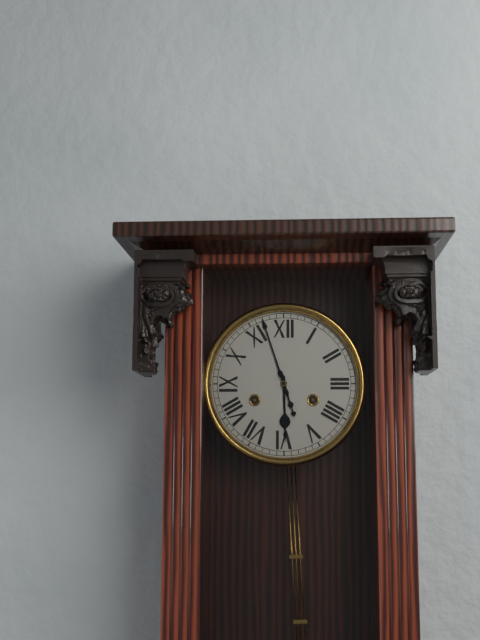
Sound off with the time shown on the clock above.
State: 5:57
